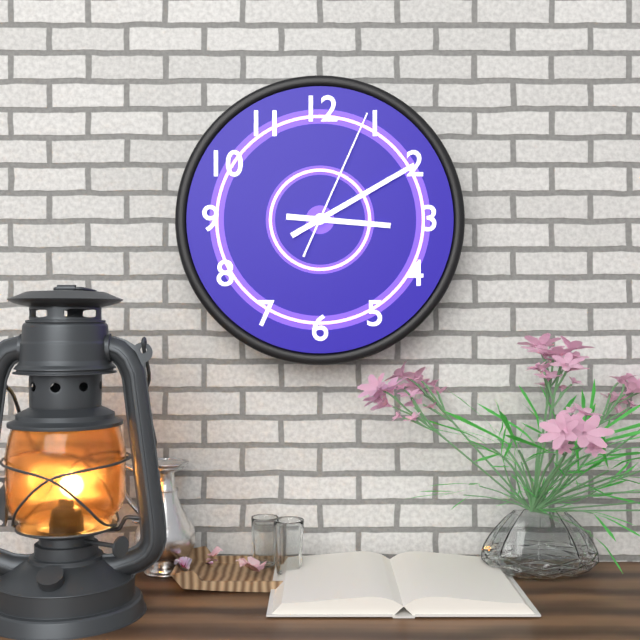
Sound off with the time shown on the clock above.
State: 3:10:04
